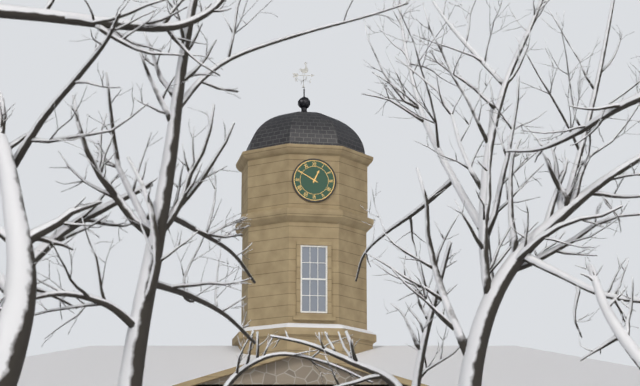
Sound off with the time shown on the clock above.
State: 12:50
